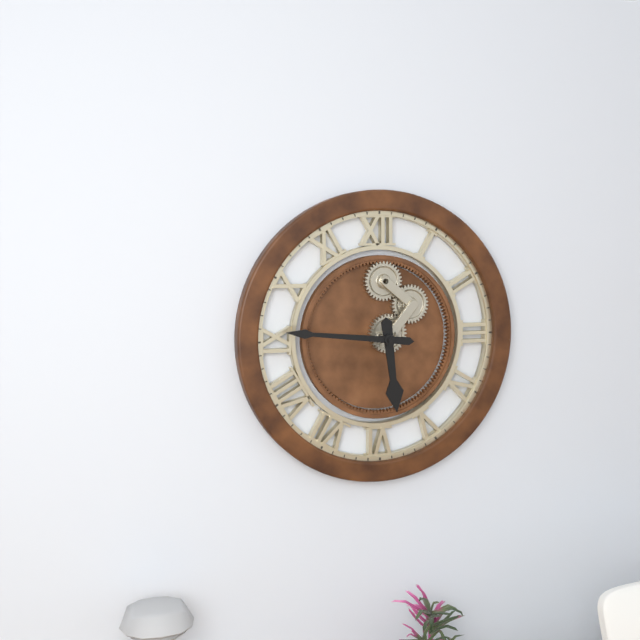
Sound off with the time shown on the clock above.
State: 5:46
